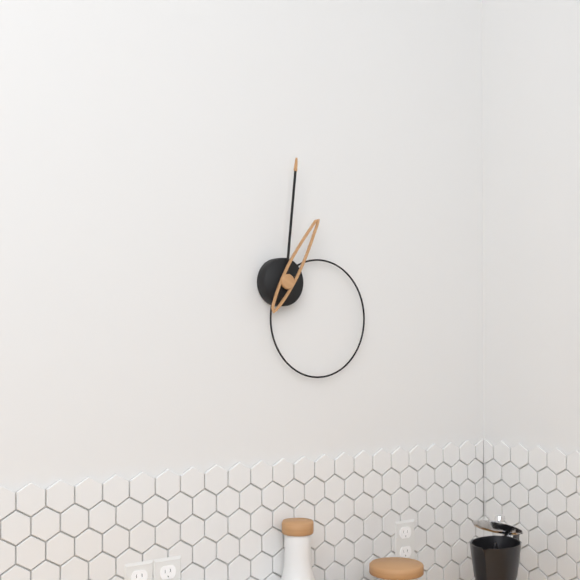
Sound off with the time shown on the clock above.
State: 1:01
